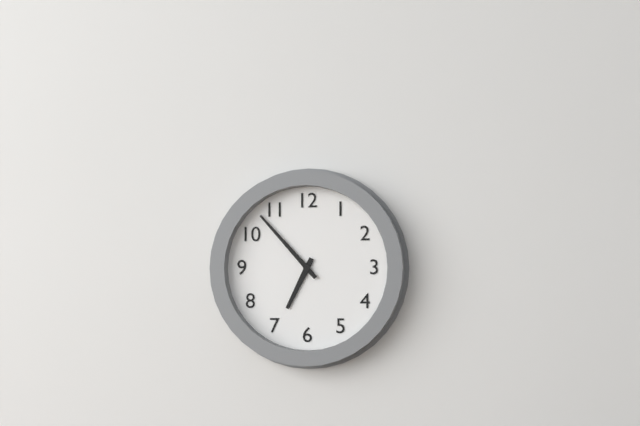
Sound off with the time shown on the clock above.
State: 6:53
